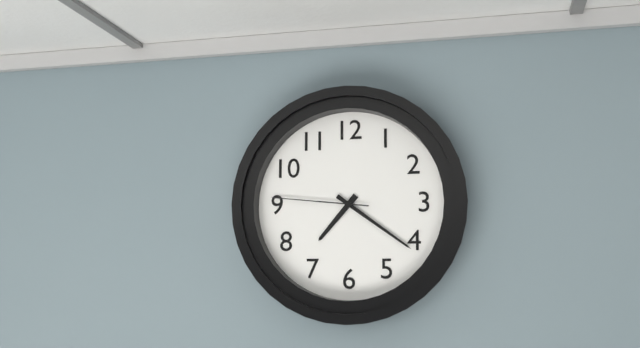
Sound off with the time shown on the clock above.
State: 7:21:46
